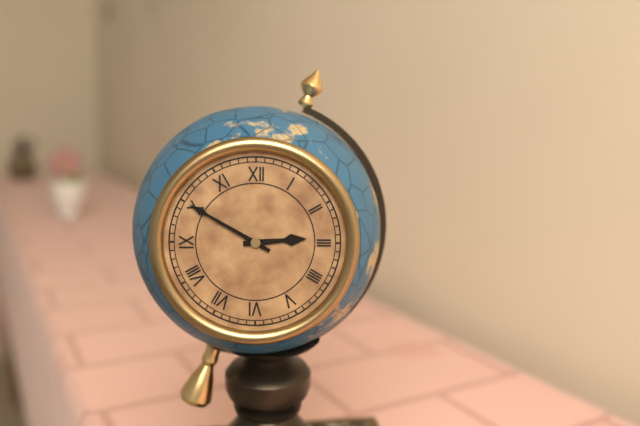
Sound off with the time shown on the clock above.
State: 2:50
